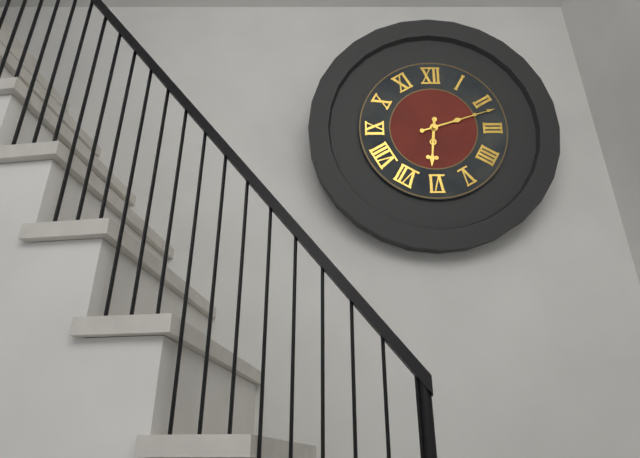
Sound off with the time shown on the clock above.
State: 6:12
